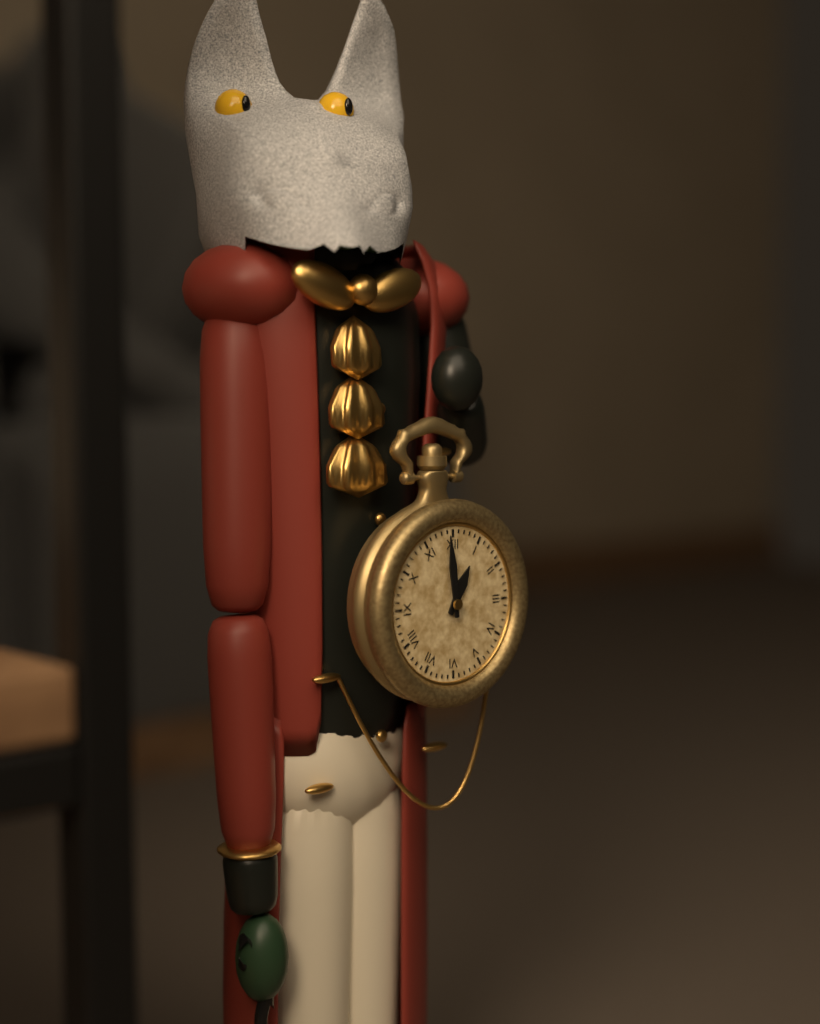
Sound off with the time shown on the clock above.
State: 12:59
